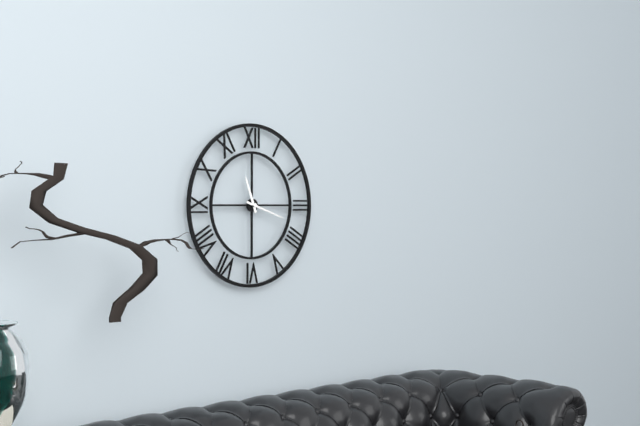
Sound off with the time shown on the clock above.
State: 11:18
